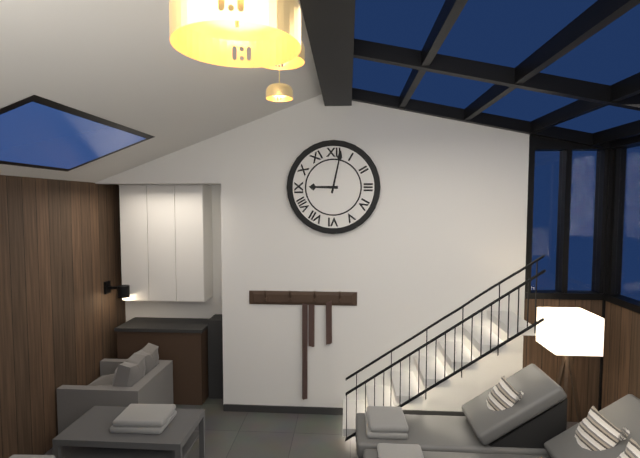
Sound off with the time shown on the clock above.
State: 9:02
